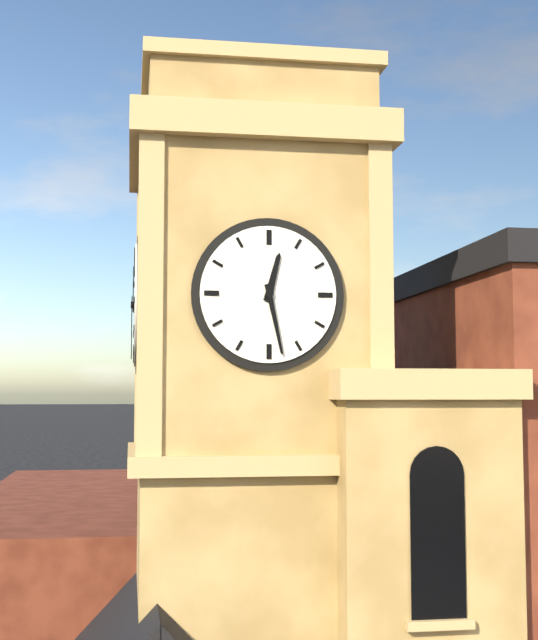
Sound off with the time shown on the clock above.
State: 12:28
